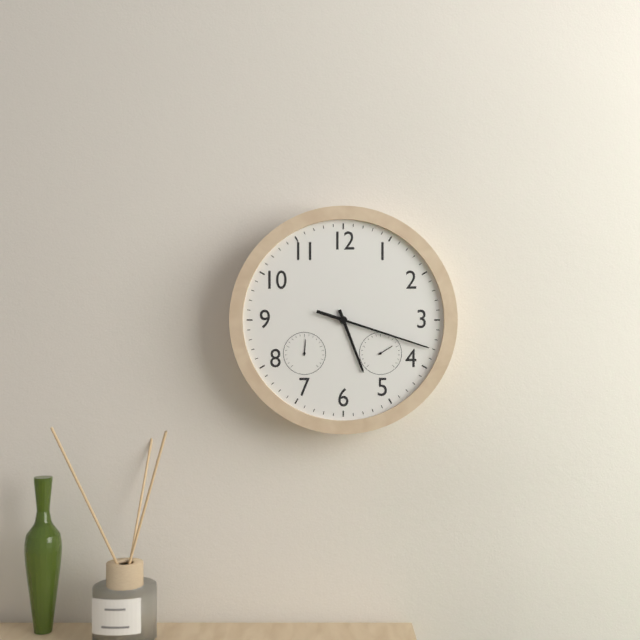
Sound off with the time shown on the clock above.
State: 5:18:18
